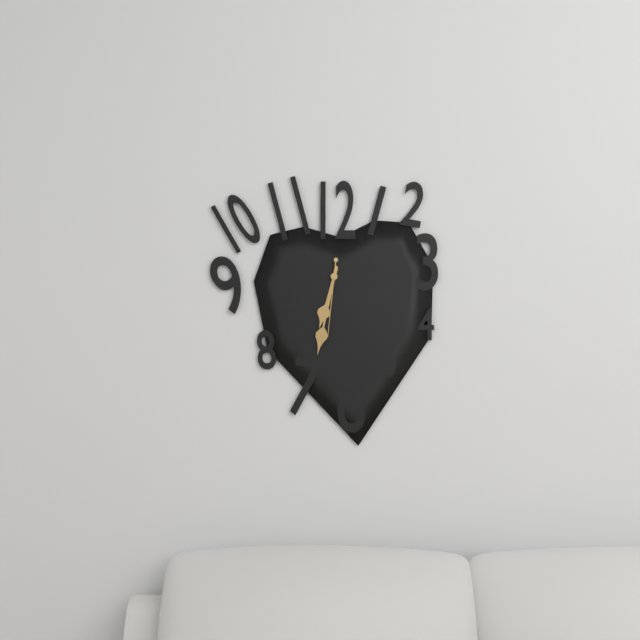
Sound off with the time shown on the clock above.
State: 6:32:31
